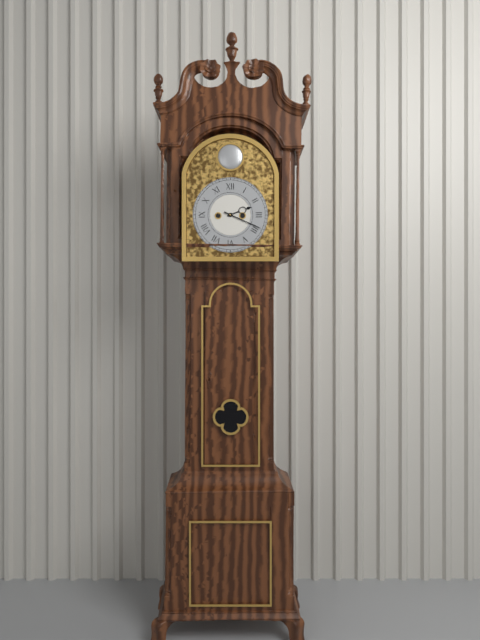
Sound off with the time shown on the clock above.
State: 2:19
